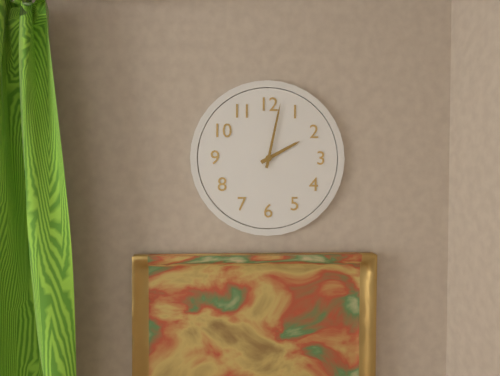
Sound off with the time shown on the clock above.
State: 2:02
